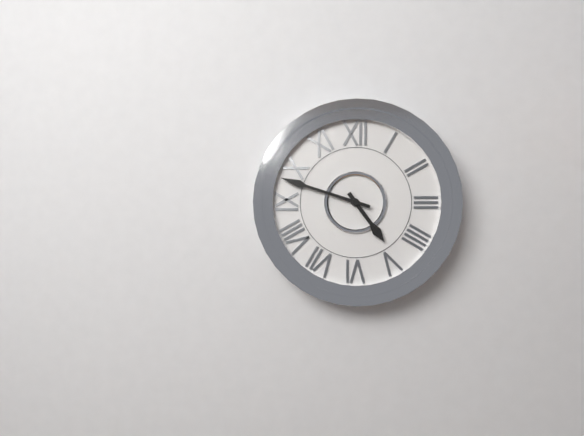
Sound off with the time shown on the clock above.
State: 4:48
